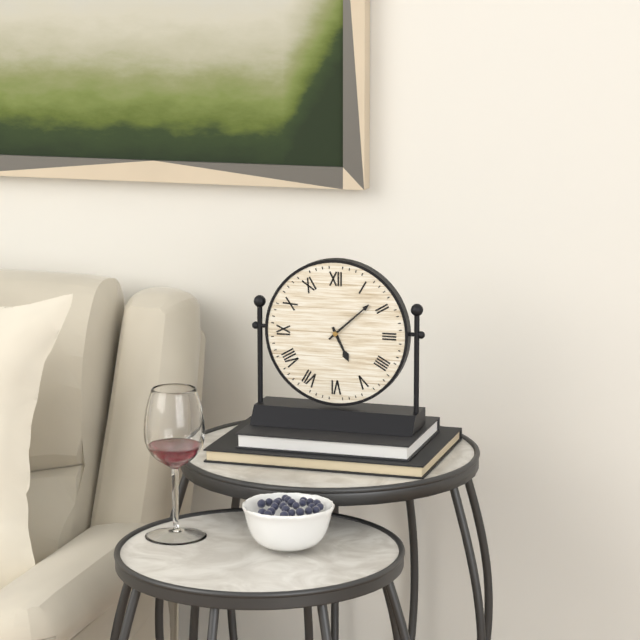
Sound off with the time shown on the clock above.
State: 5:08
